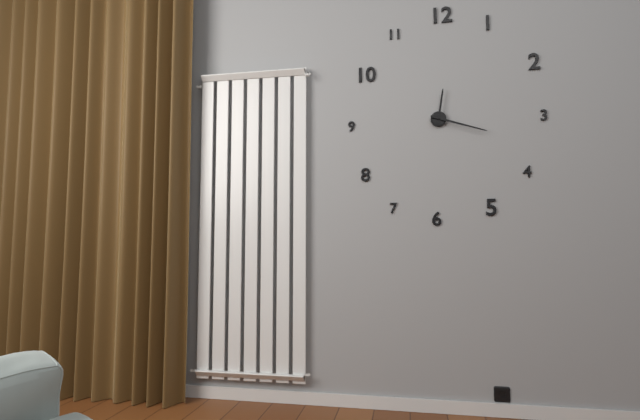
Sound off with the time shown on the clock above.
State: 12:18
